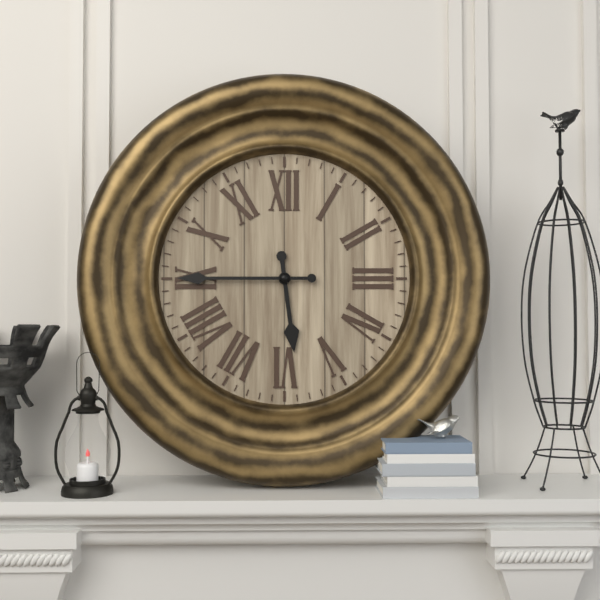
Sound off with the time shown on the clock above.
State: 5:45
